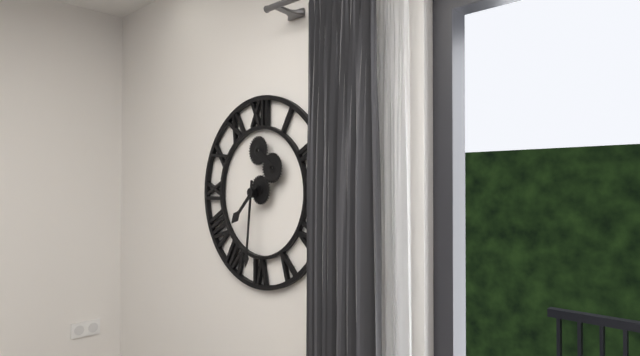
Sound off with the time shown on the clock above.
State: 7:31
